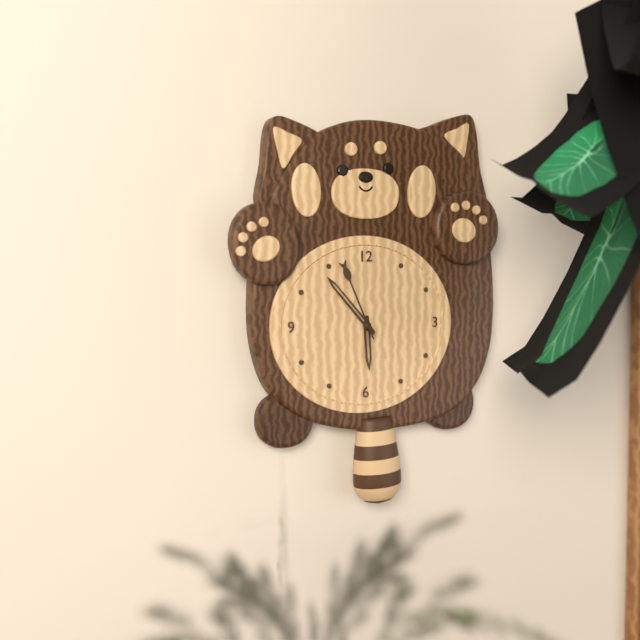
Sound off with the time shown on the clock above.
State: 5:53:56
